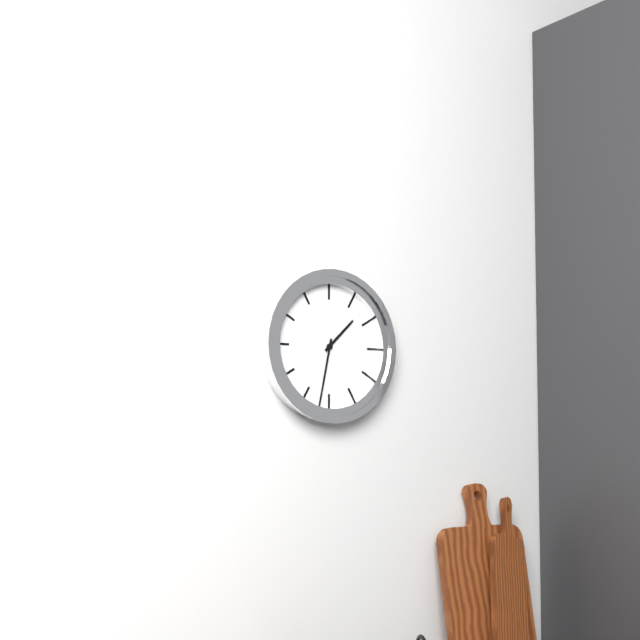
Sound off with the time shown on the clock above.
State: 1:32
